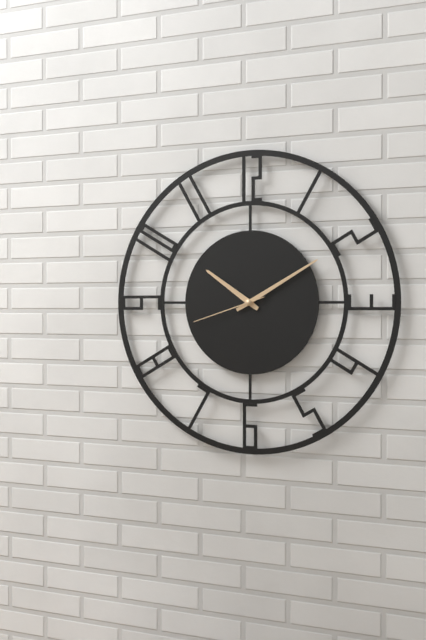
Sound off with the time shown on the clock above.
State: 10:10:42
